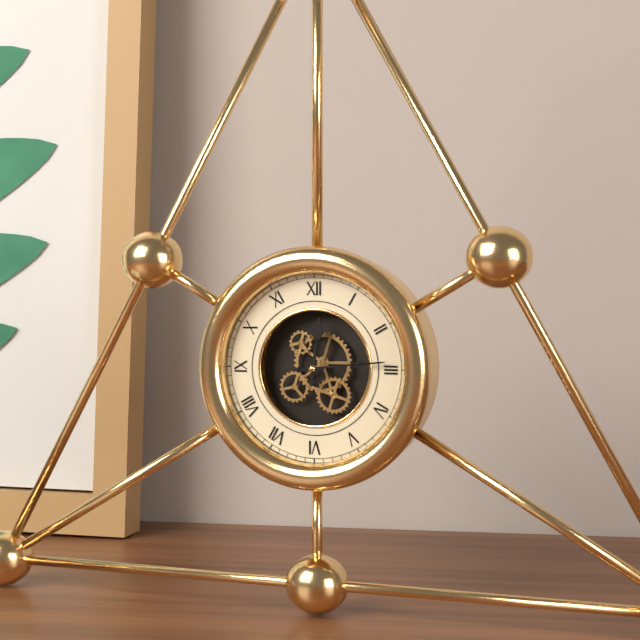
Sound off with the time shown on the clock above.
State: 12:14
